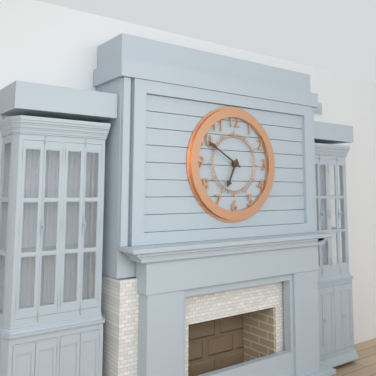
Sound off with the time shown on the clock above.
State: 6:50
